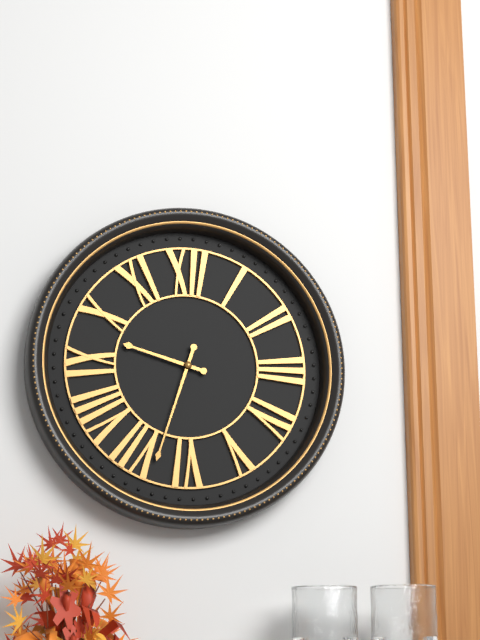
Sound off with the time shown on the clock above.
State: 9:33
